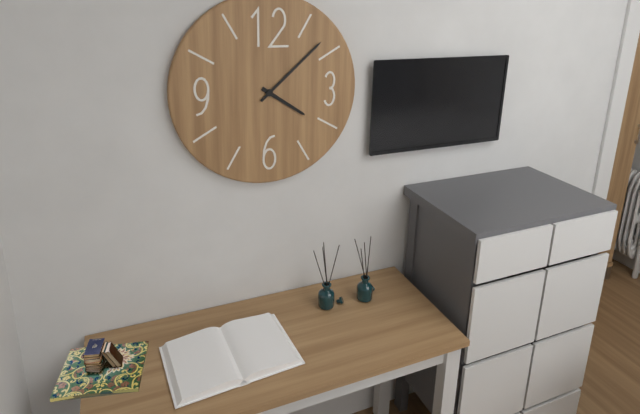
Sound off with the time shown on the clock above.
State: 4:08
